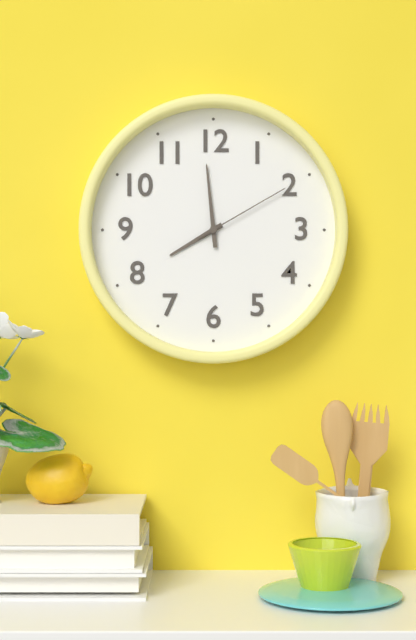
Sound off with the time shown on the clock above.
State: 7:59:10
